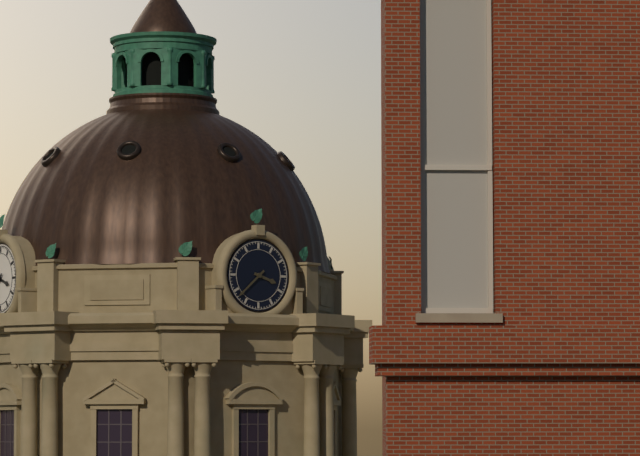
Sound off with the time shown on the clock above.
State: 3:38
